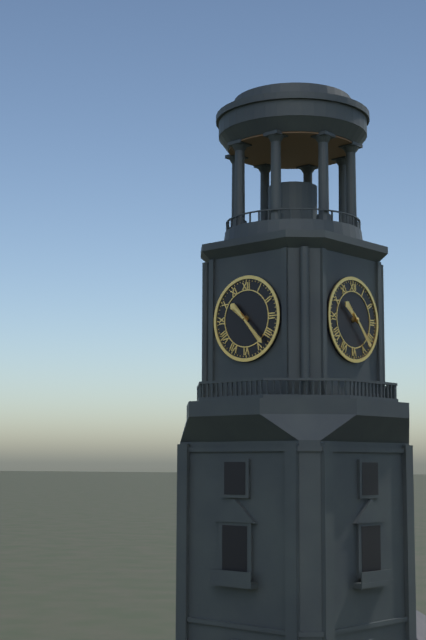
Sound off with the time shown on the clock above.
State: 10:23
